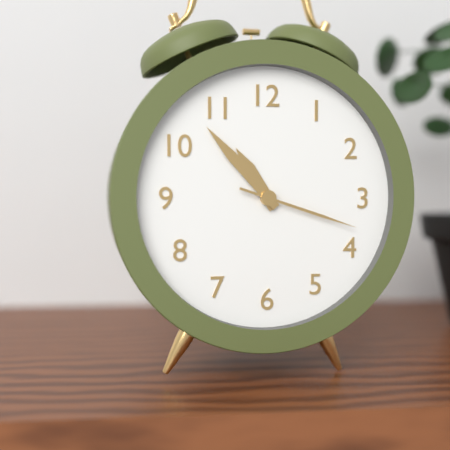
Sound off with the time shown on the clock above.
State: 10:53:18
